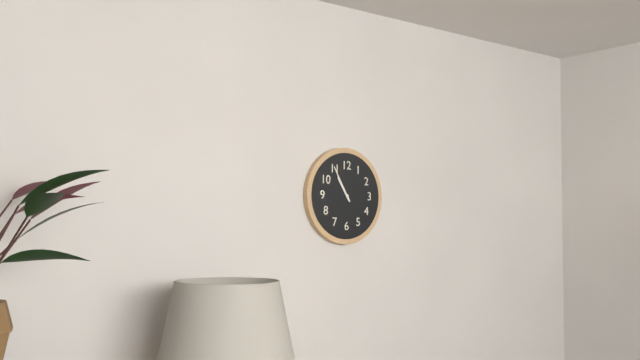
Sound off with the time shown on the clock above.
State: 10:55
